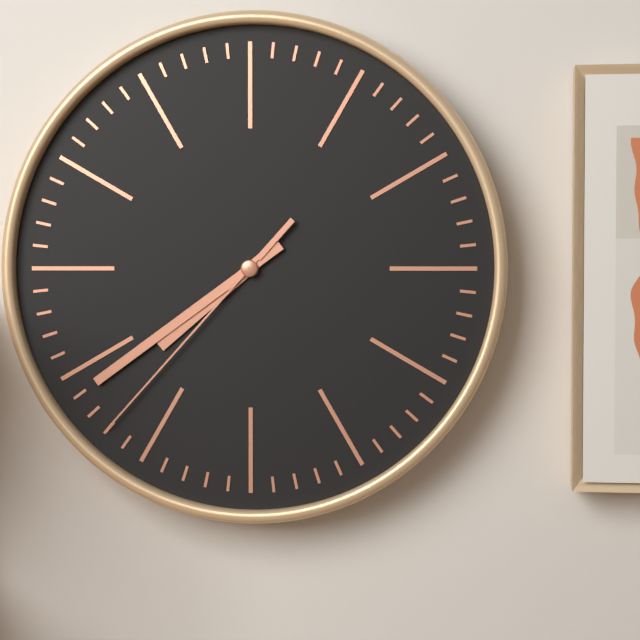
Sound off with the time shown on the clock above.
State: 7:39:37
